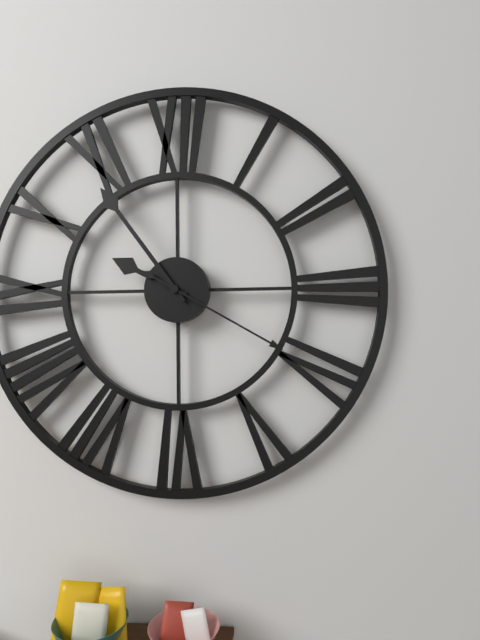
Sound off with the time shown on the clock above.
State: 9:54:20
